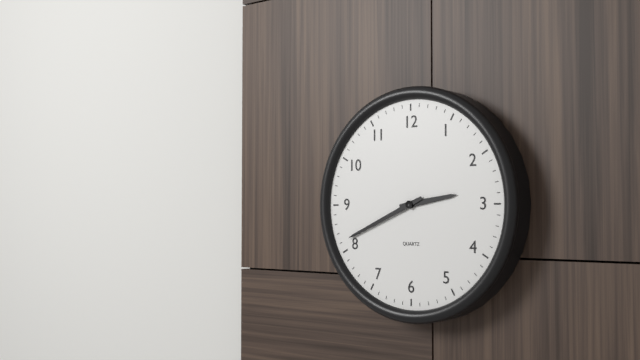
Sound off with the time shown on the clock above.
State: 2:41
